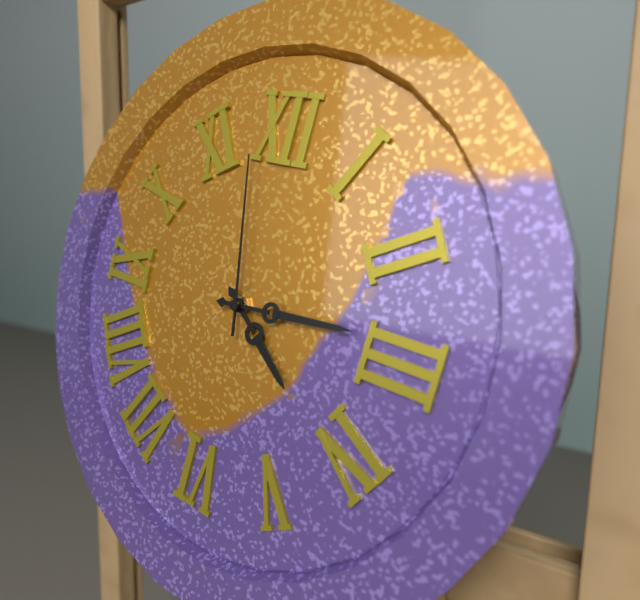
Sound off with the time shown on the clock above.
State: 4:14:58
